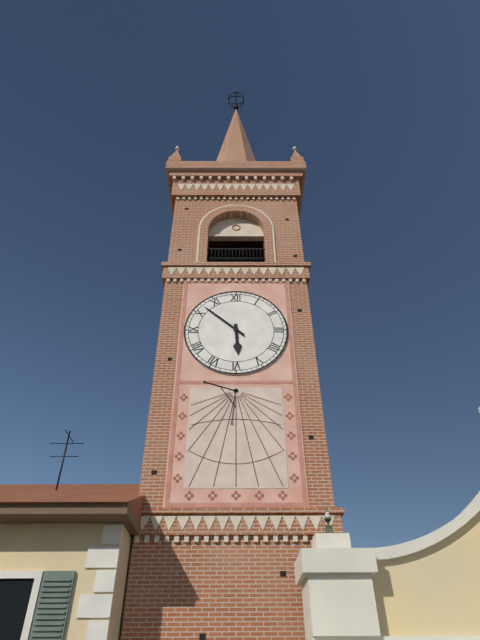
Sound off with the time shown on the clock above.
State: 5:52
